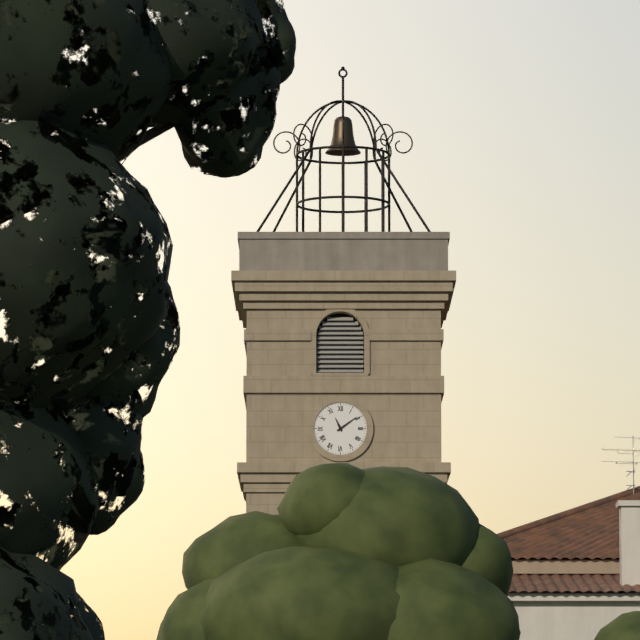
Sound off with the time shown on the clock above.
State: 11:09
